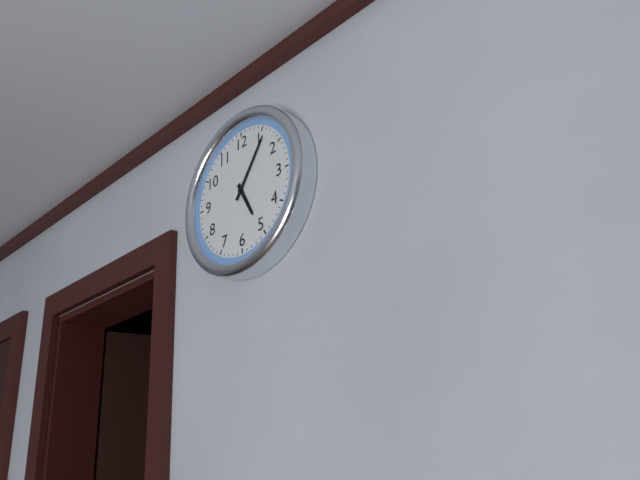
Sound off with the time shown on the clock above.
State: 5:06
